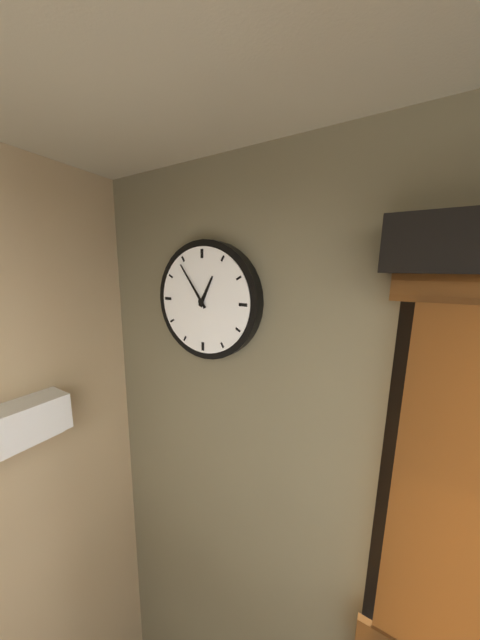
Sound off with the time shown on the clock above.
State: 12:54
